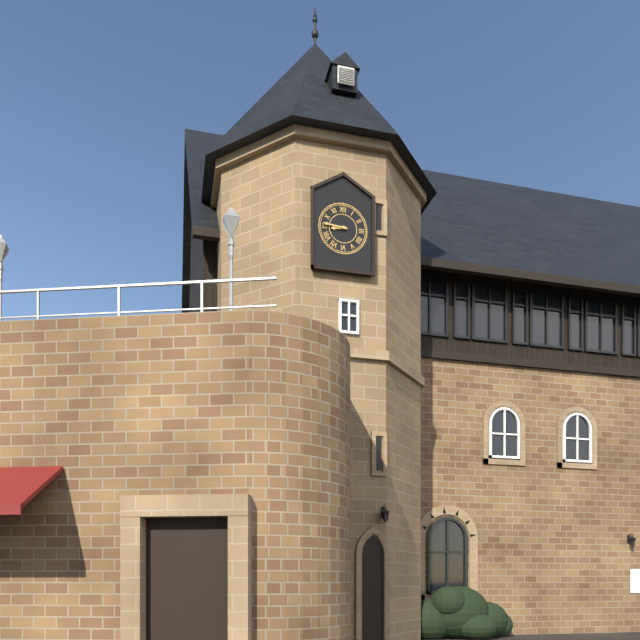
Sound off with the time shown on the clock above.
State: 8:46
